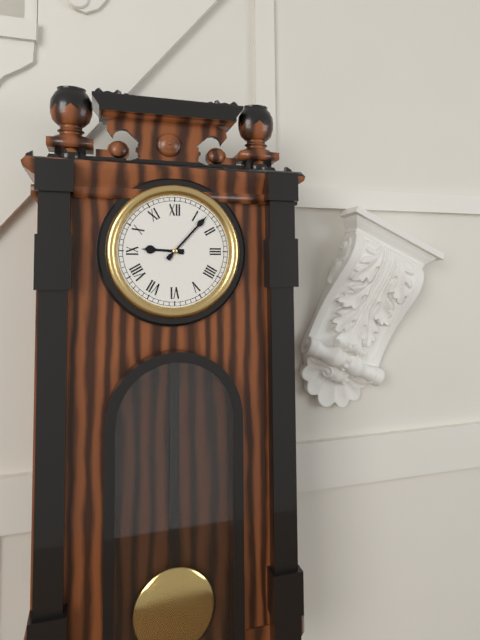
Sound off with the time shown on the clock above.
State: 9:07
